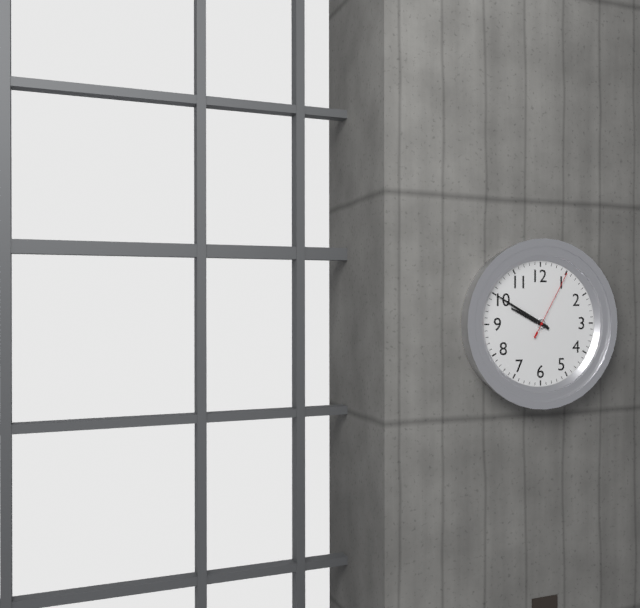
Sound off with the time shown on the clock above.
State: 9:50:05
